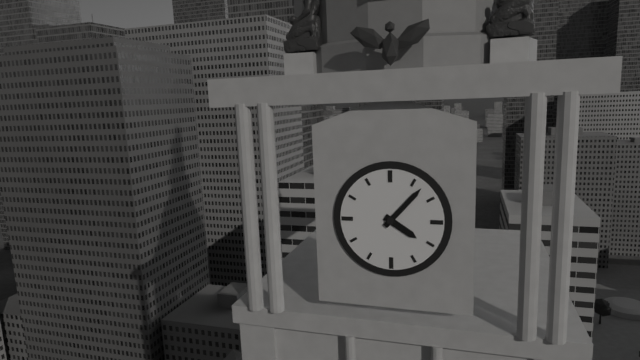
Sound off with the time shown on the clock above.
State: 4:07
